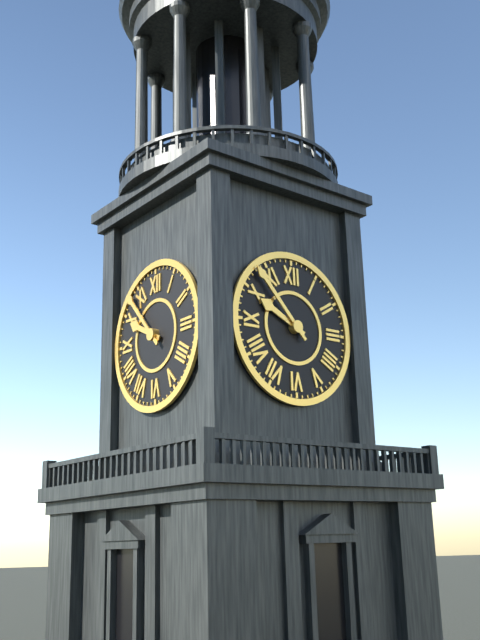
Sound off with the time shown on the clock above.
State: 9:53
